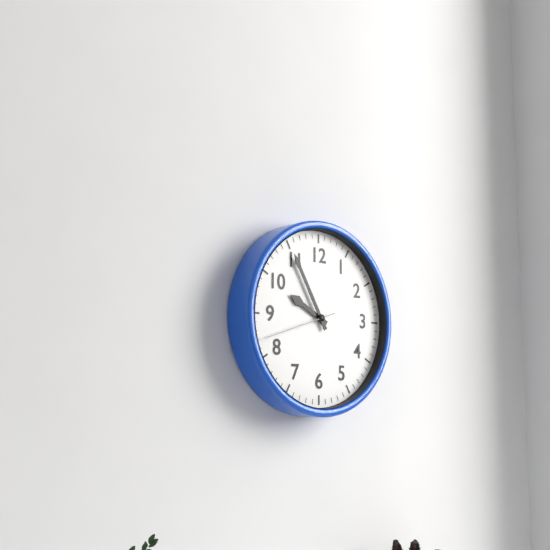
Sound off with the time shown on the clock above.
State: 9:55:42
